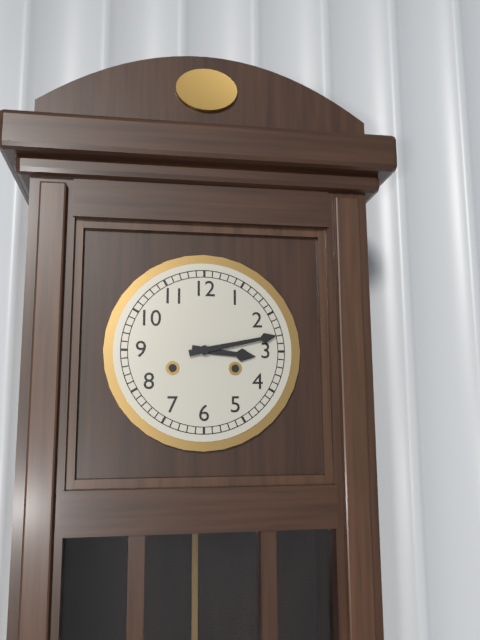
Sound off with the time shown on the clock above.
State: 3:13
